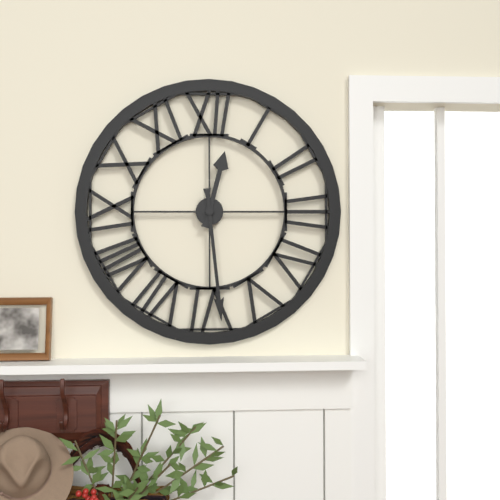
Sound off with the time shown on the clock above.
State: 12:29
